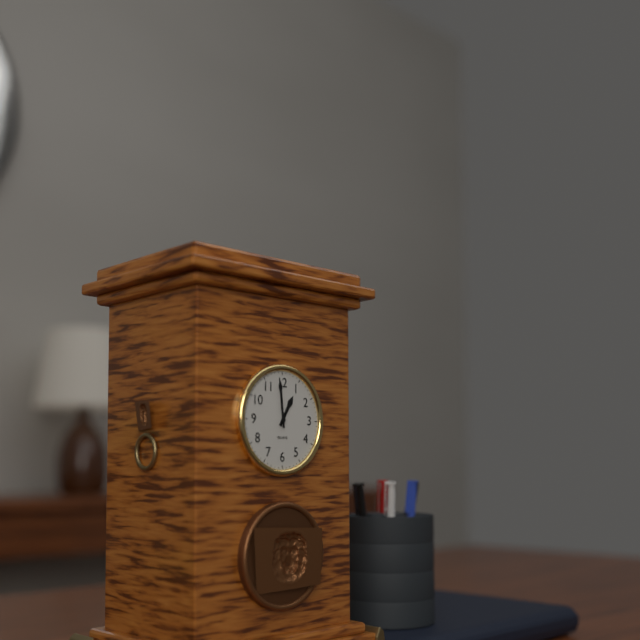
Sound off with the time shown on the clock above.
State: 12:59
